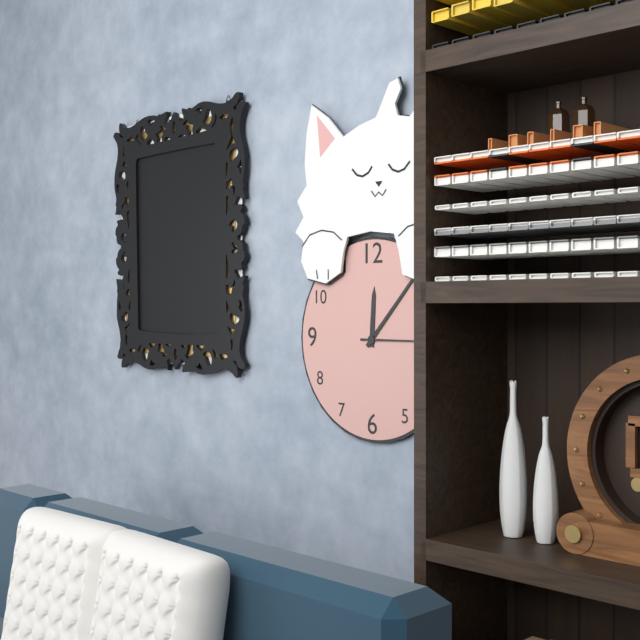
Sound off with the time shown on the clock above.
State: 12:07:15
